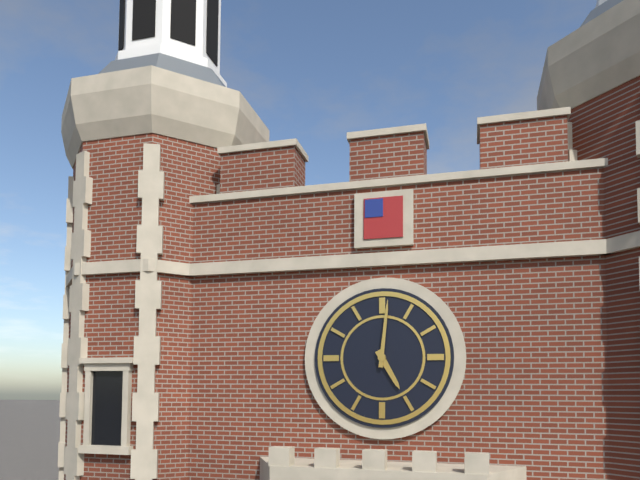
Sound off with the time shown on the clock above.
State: 5:01
